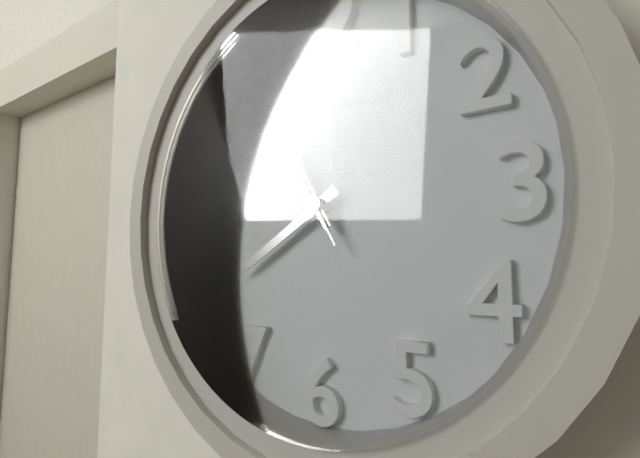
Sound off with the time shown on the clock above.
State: 7:55:55
